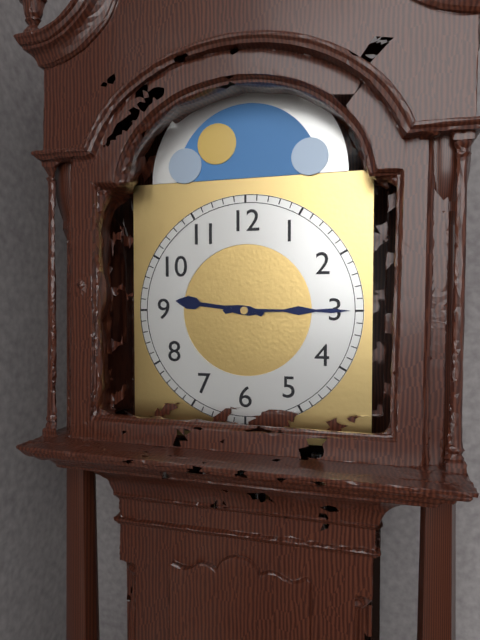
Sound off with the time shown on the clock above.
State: 9:15
